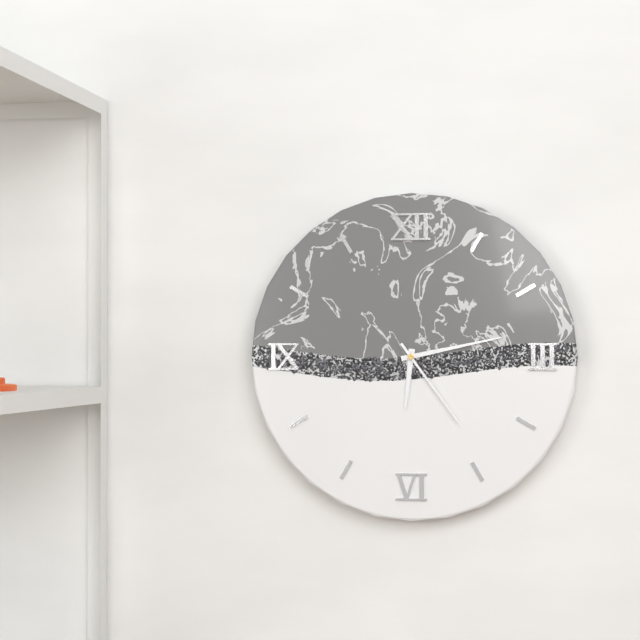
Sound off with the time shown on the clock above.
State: 6:13:24
